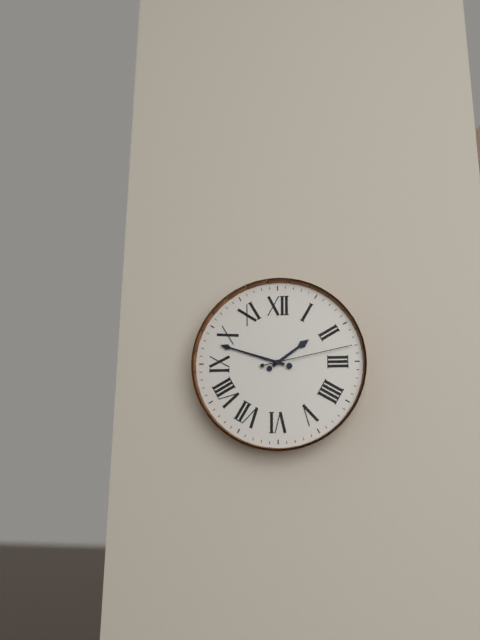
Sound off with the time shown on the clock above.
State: 1:48:13
